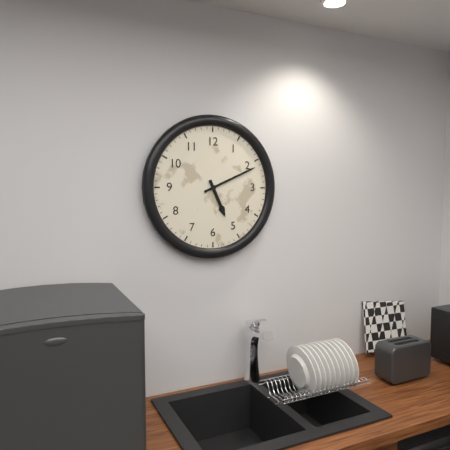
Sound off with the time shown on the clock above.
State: 5:11
